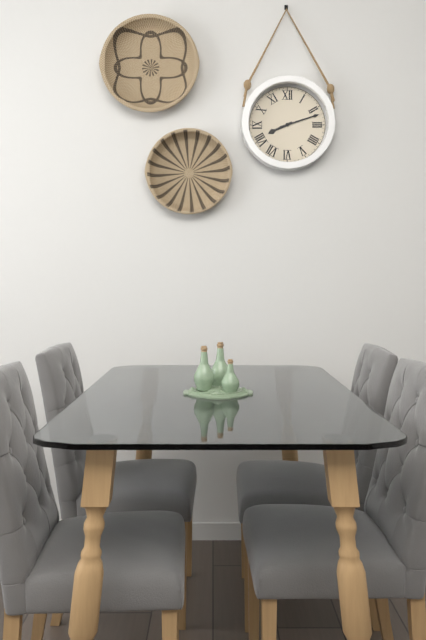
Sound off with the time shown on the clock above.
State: 8:12
